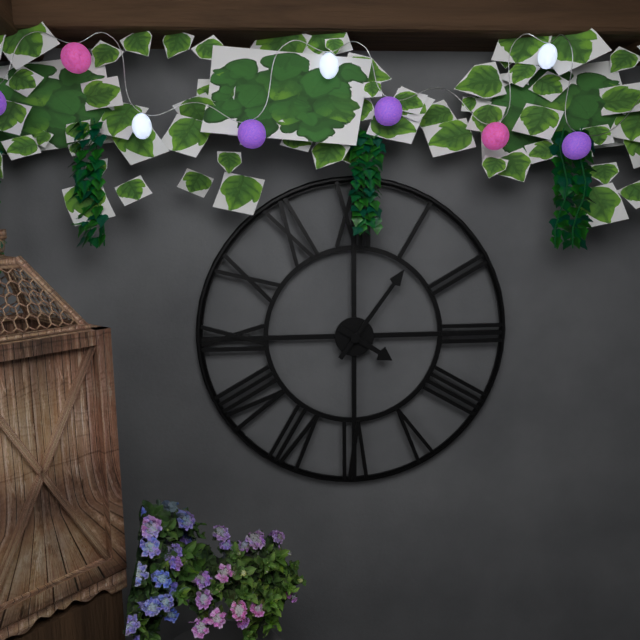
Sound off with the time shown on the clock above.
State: 4:06
